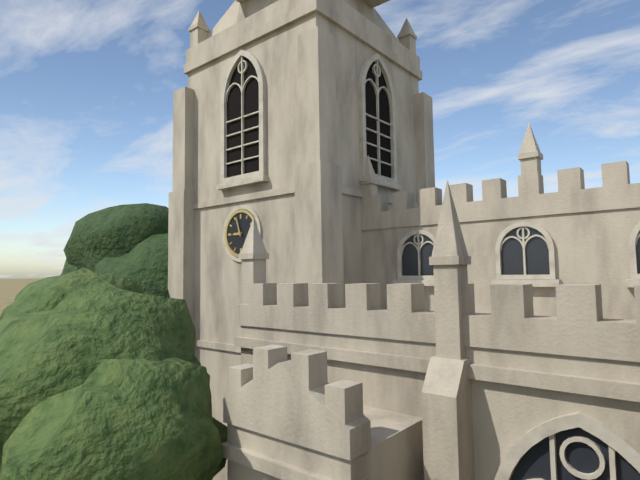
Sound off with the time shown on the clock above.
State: 8:57
